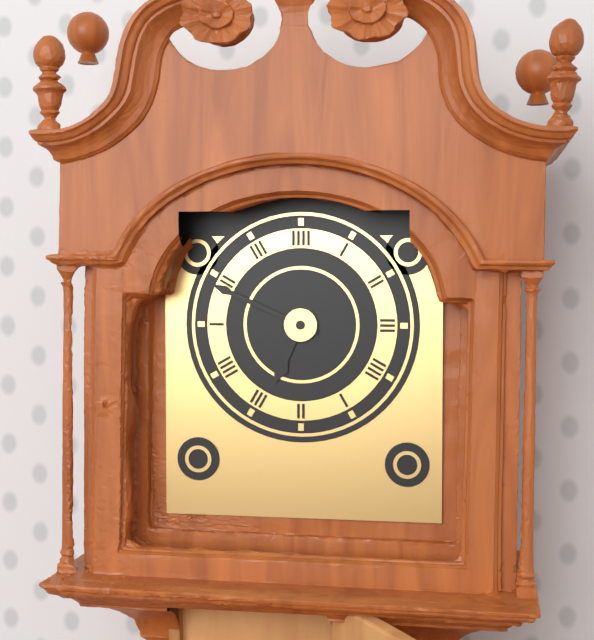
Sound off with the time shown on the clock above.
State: 6:49
